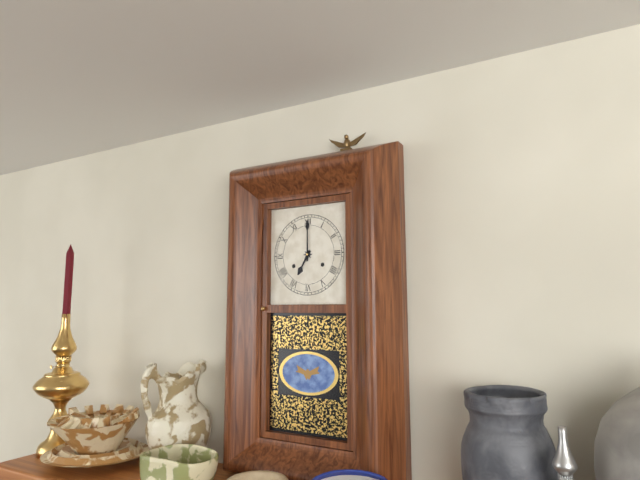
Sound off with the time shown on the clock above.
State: 7:00
